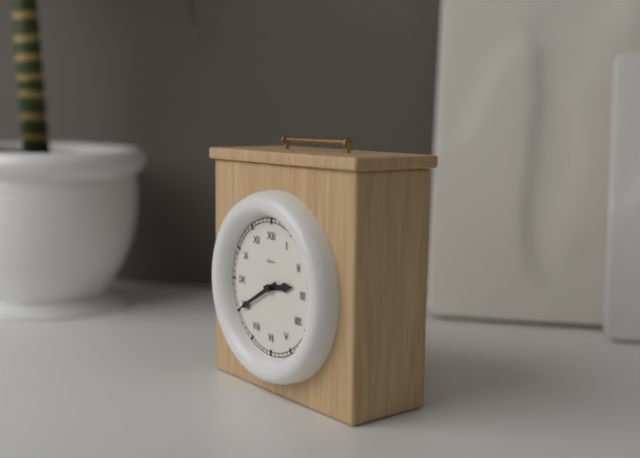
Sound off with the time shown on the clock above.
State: 2:40
